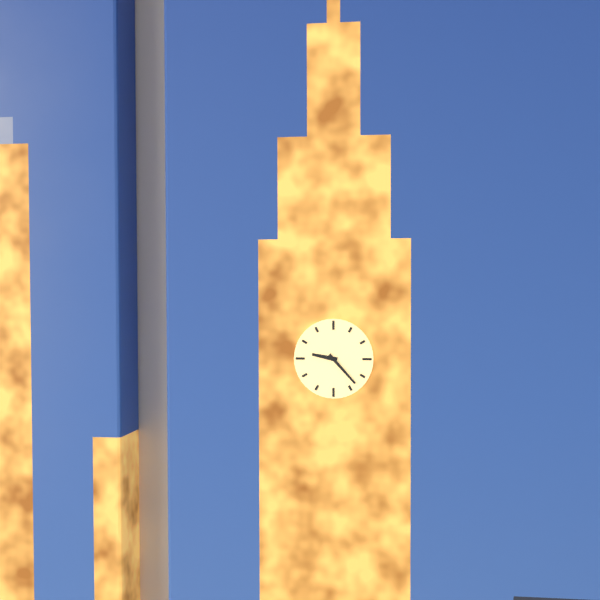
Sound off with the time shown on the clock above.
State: 9:23
